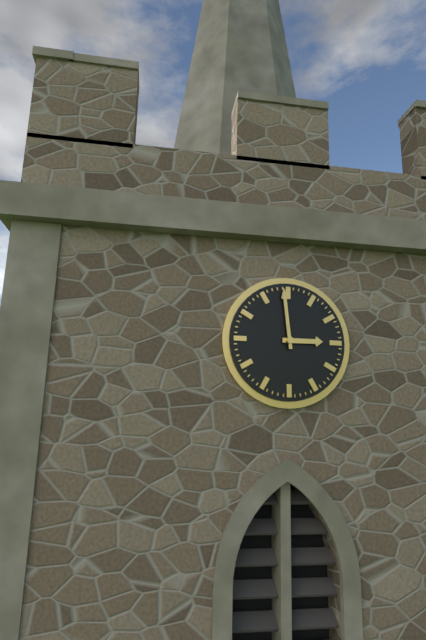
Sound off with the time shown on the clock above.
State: 2:59
